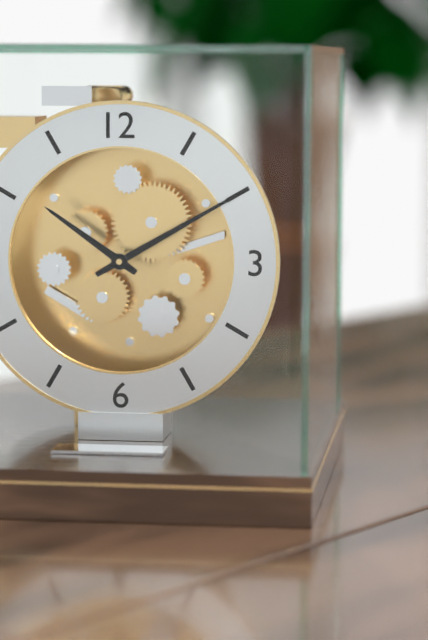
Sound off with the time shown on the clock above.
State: 10:10
